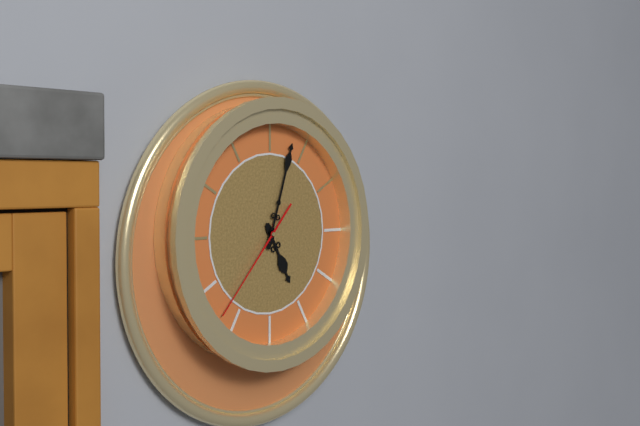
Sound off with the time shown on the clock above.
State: 5:03:37
